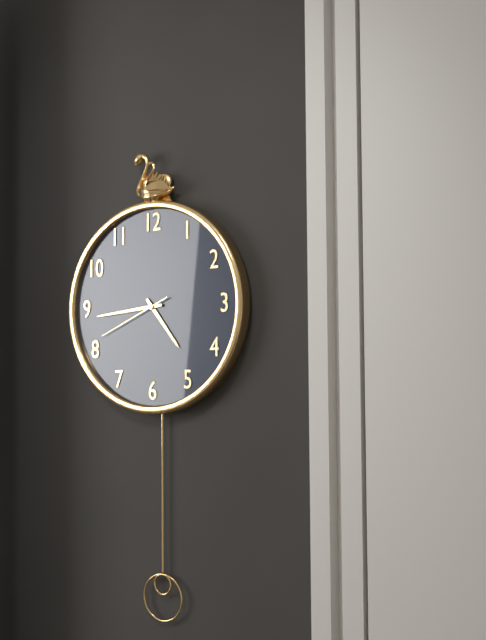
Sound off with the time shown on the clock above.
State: 4:44:41
